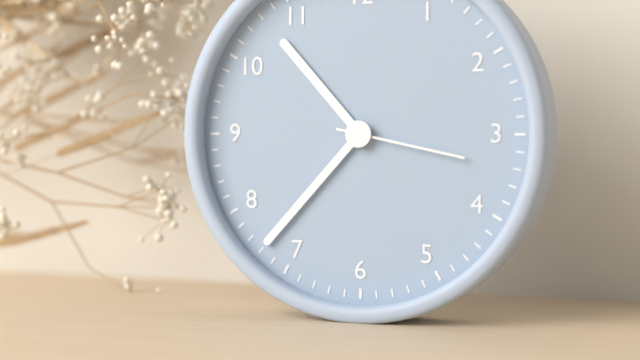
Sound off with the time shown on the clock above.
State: 10:37:17
